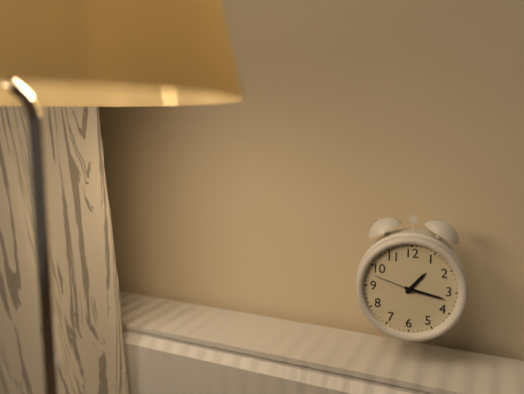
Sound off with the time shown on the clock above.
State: 1:17
